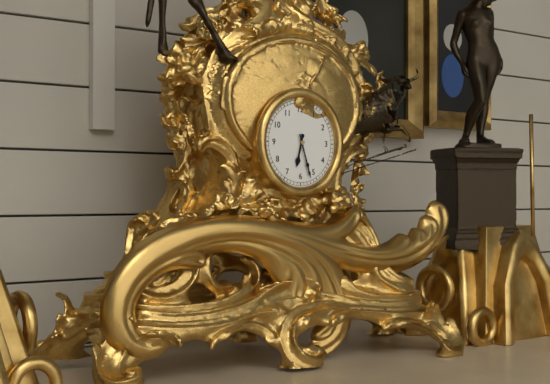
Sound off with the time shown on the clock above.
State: 6:27
